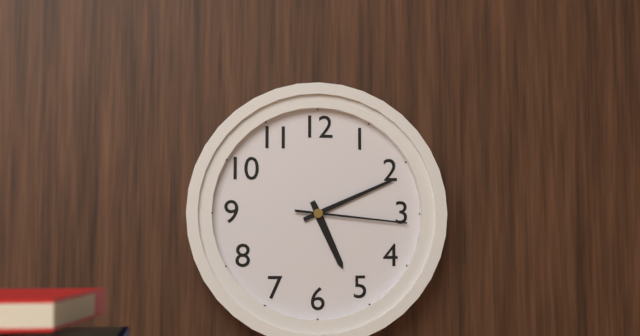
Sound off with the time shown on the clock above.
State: 5:11:16
